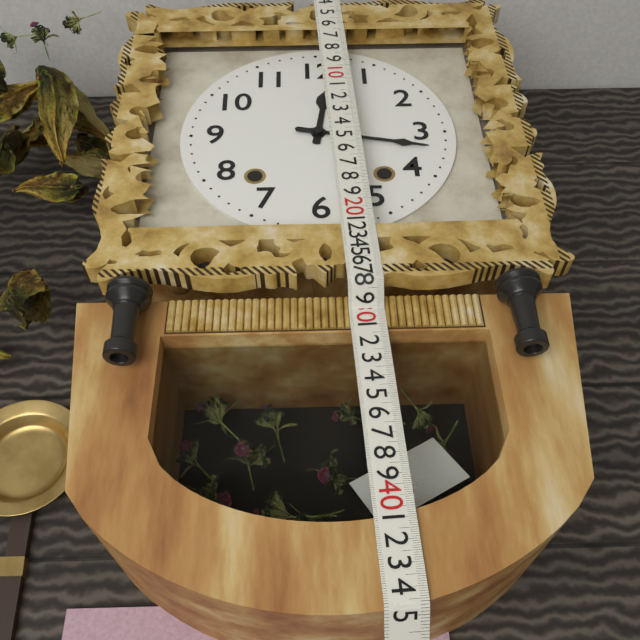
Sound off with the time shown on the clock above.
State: 12:17
